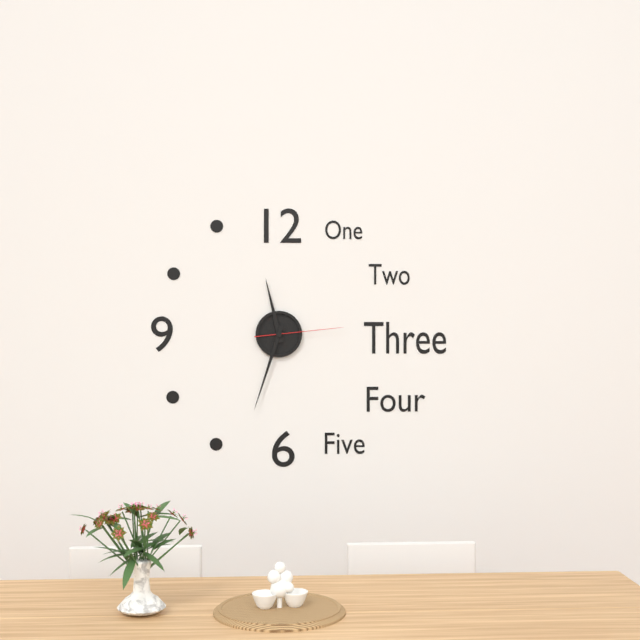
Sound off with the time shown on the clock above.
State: 11:33:14
